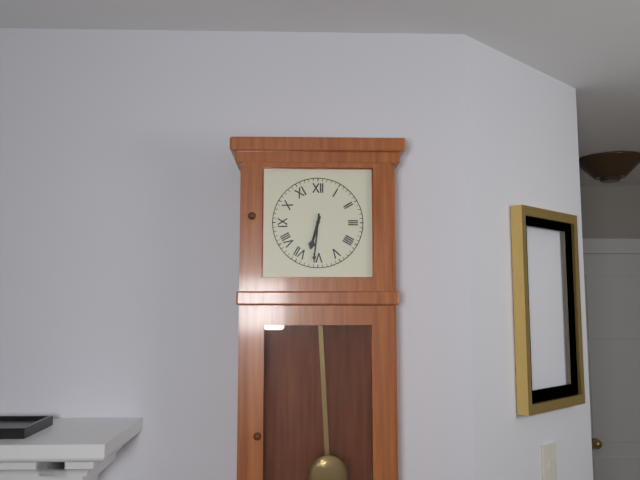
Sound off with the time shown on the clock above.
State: 6:31
